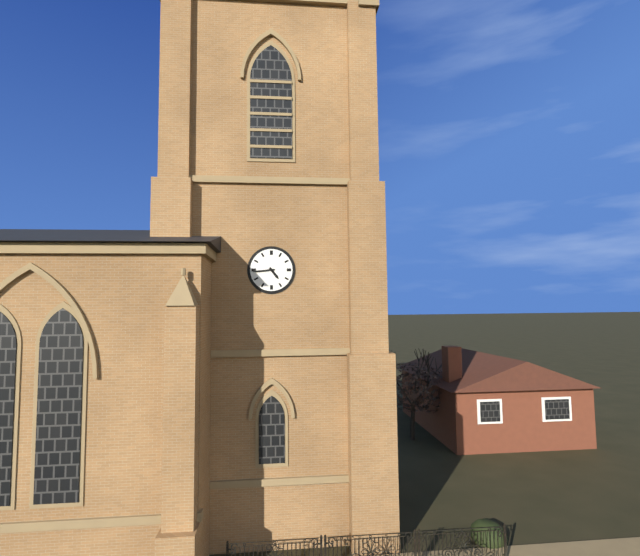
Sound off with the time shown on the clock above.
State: 4:44
